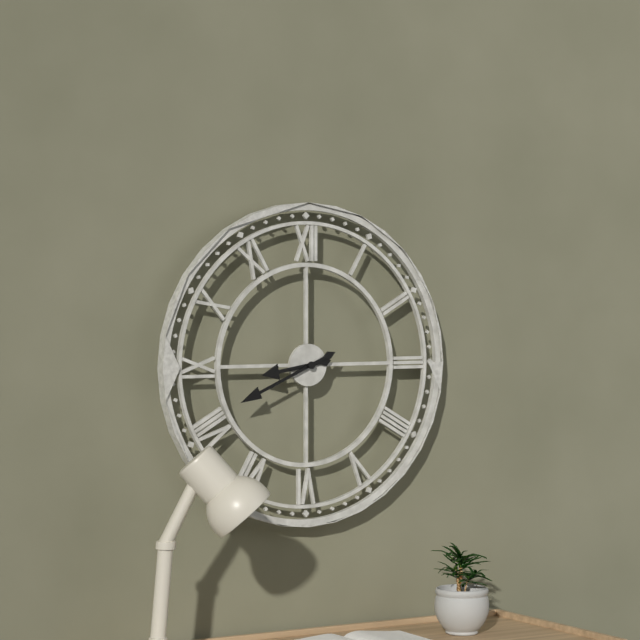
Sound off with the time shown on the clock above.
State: 8:41
